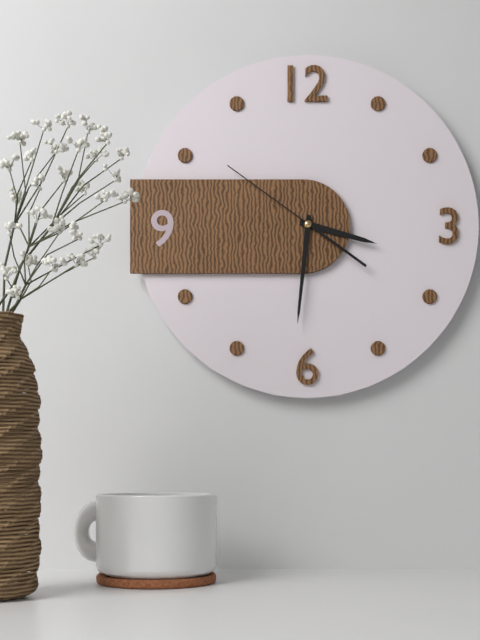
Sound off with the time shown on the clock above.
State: 3:31:51
